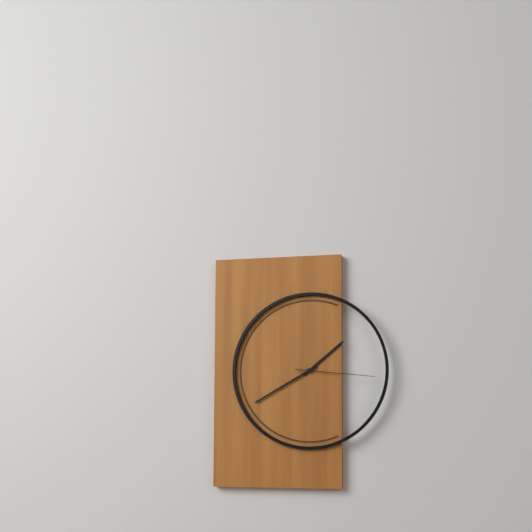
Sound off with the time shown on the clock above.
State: 1:40:16
